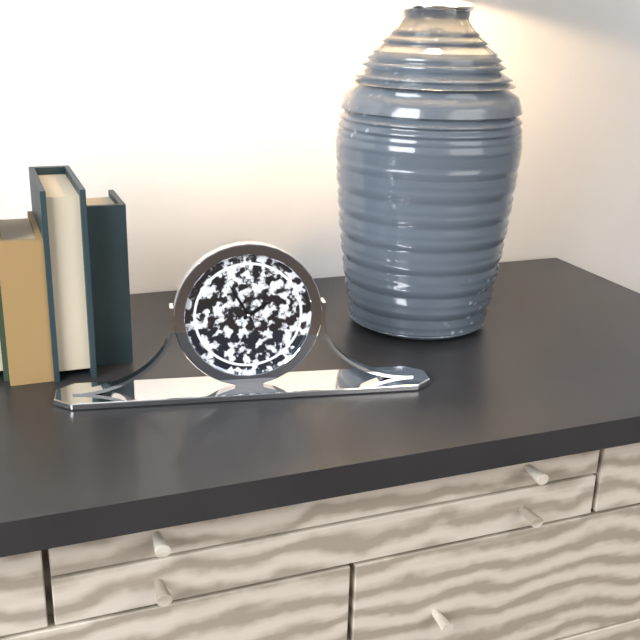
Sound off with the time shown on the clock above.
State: 1:55
